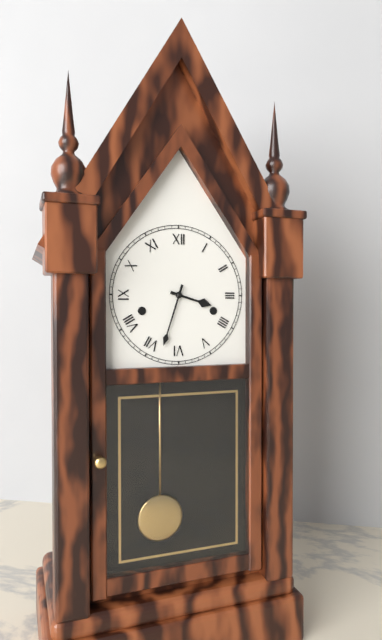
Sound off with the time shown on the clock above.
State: 3:33
